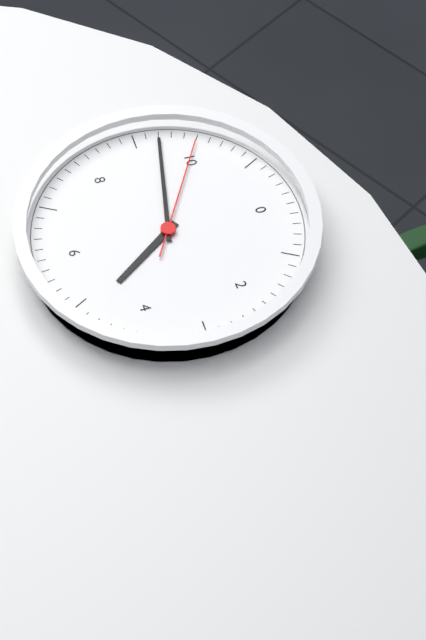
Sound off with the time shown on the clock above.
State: 4:47:50
